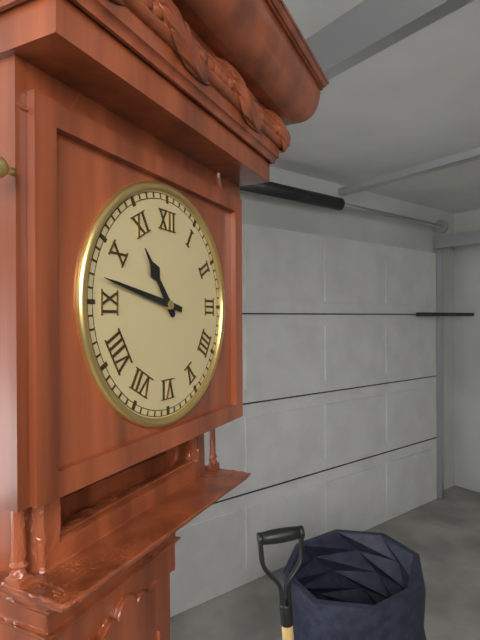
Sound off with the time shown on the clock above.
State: 10:47
